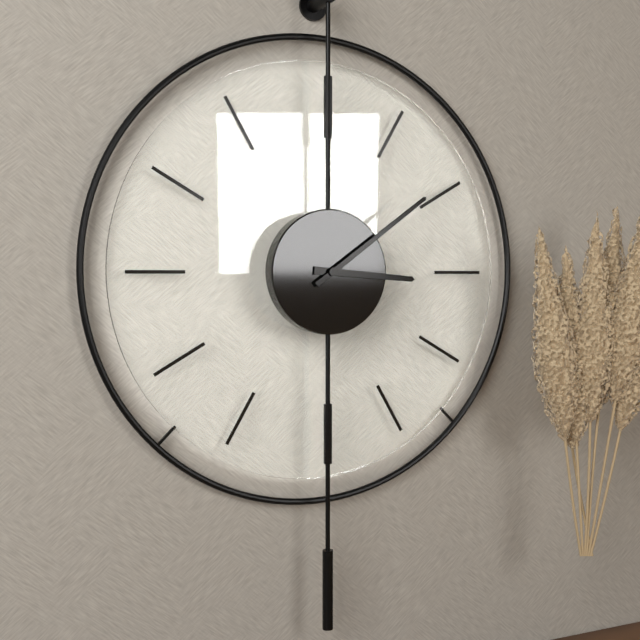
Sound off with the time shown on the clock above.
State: 3:09
